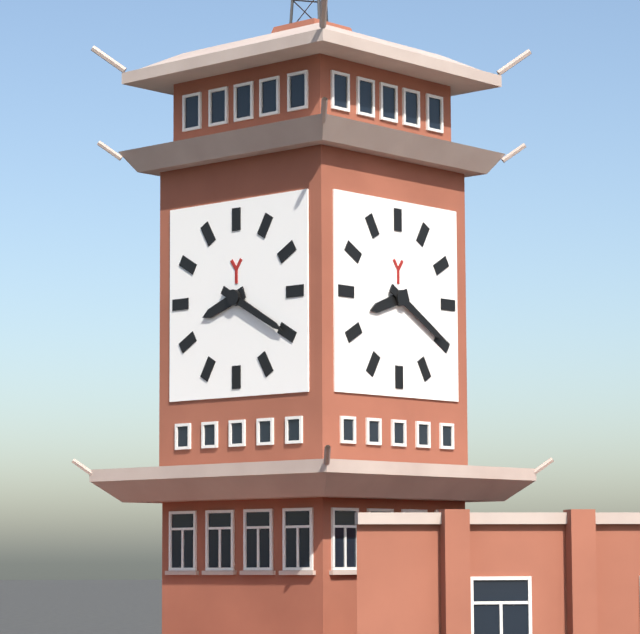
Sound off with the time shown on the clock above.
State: 8:20
